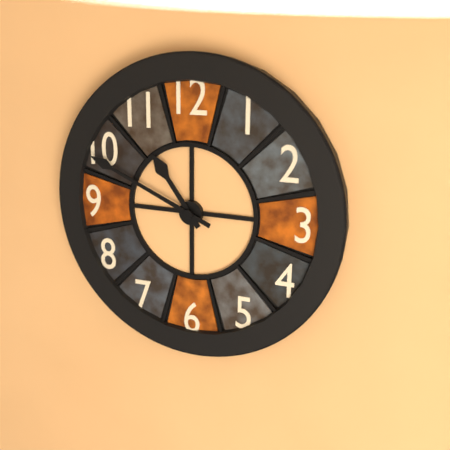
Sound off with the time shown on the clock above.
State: 10:49
